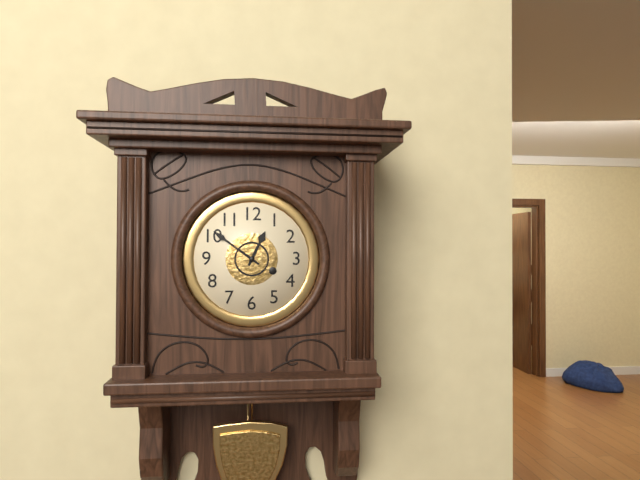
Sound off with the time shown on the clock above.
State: 12:51
